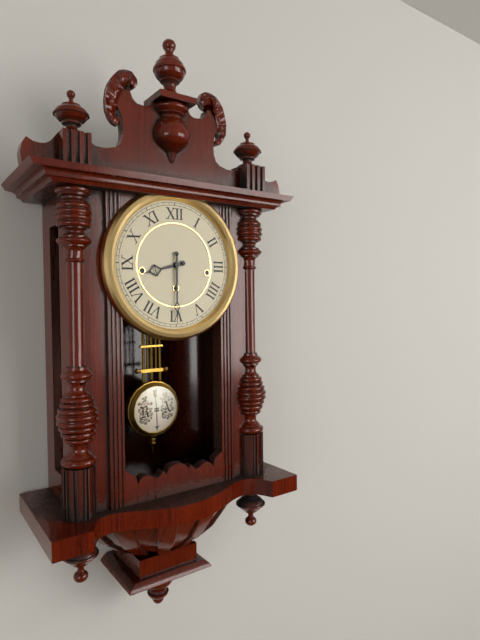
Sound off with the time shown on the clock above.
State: 8:30
